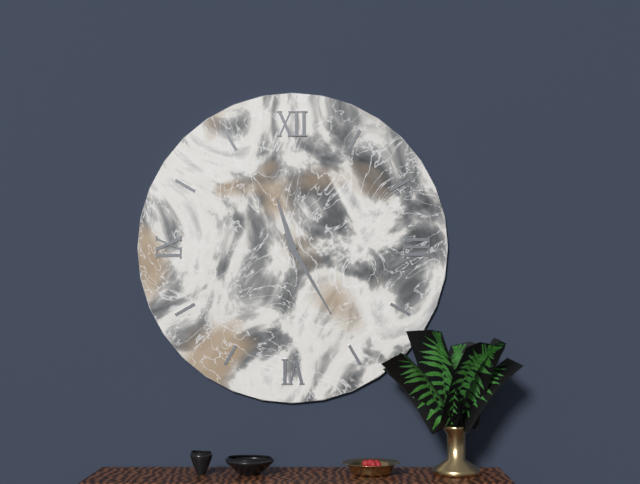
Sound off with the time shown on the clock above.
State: 11:25
